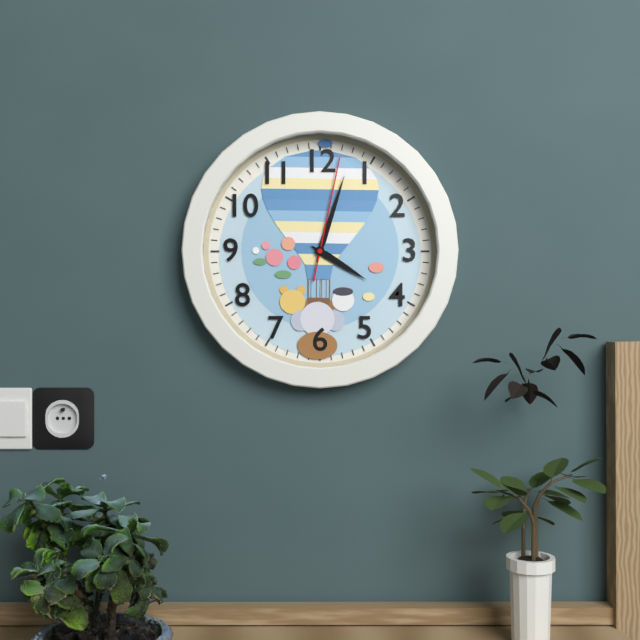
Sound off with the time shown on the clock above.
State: 4:03:02
